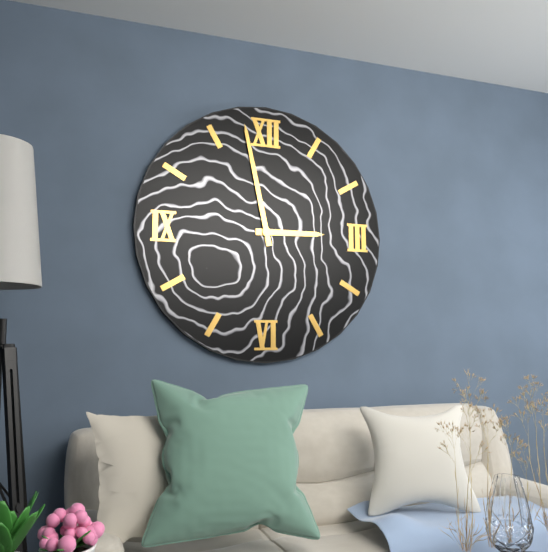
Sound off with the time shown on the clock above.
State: 2:58
